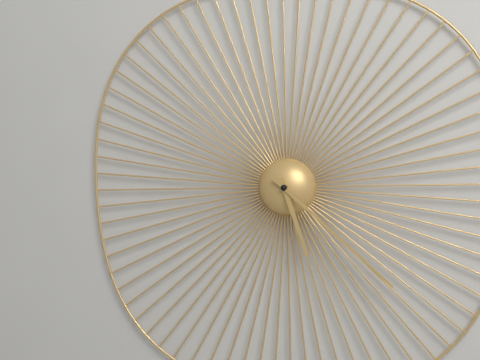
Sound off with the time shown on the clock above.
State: 5:22
